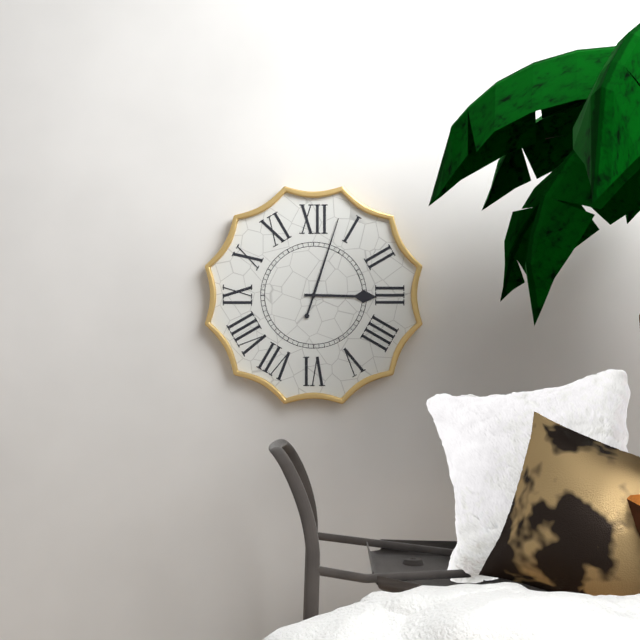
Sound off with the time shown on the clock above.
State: 3:03
